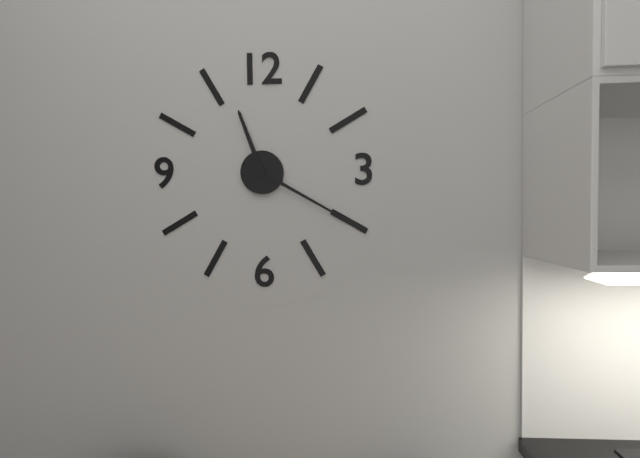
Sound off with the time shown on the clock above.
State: 11:20
